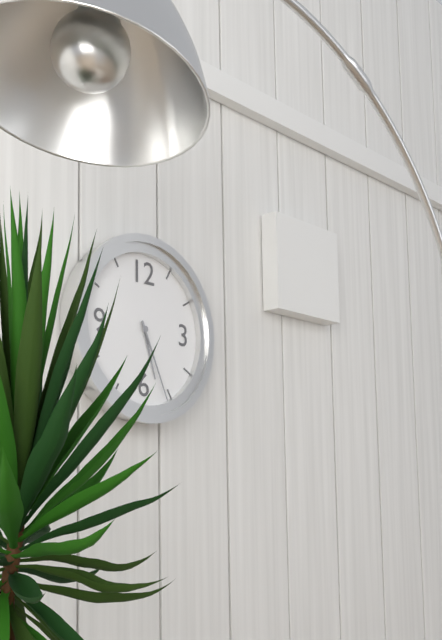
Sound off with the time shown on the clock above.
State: 5:26
